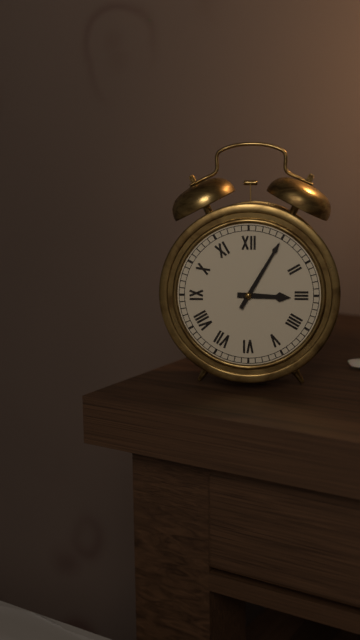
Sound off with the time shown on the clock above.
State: 3:05
